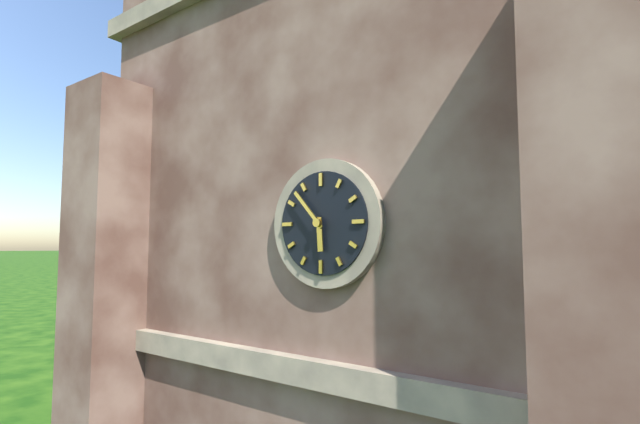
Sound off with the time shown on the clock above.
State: 5:53
